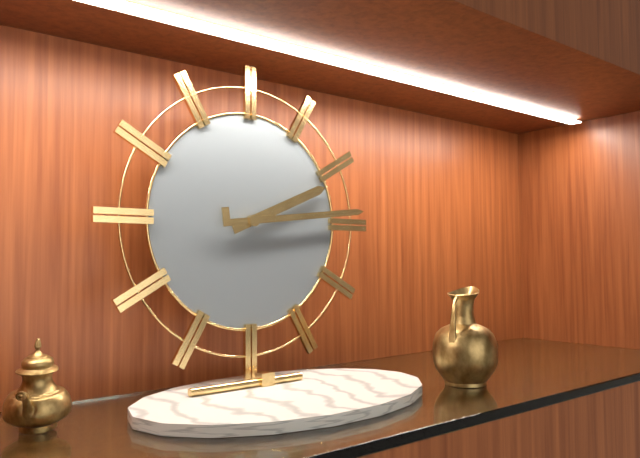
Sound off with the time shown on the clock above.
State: 2:14
